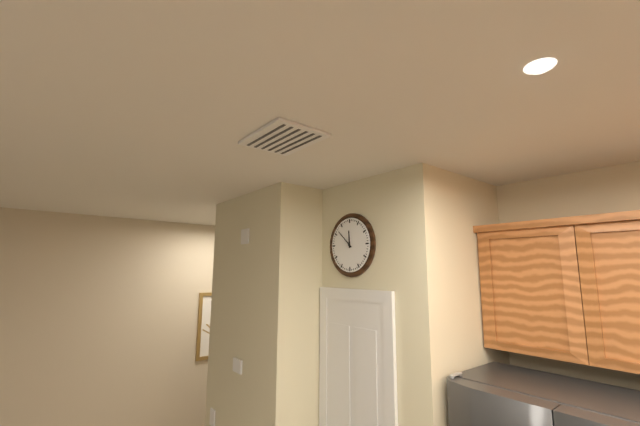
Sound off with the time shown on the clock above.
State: 11:52
